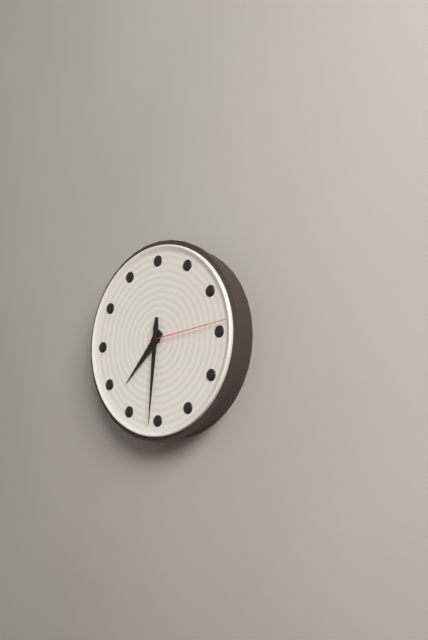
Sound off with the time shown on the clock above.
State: 7:31:14
